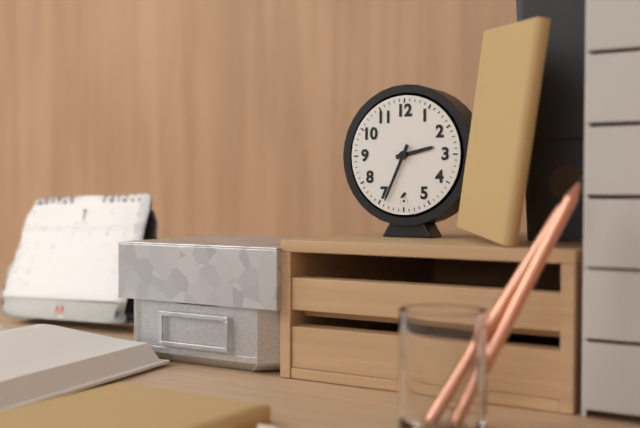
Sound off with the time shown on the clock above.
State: 2:34
